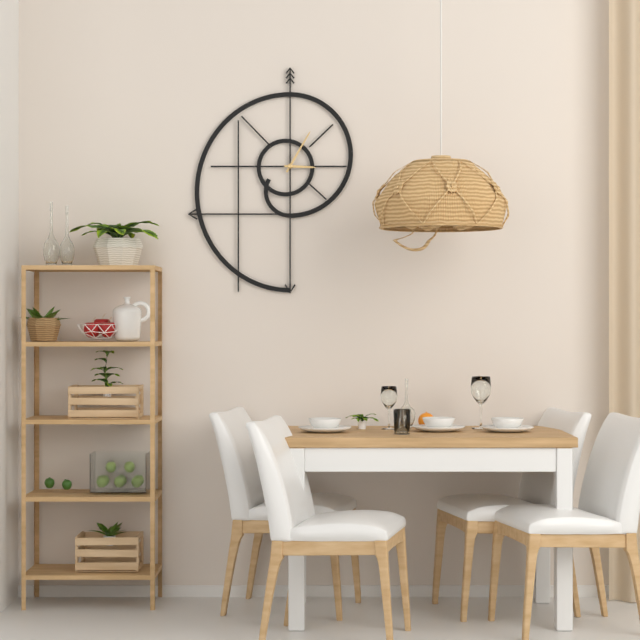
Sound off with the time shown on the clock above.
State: 3:05
